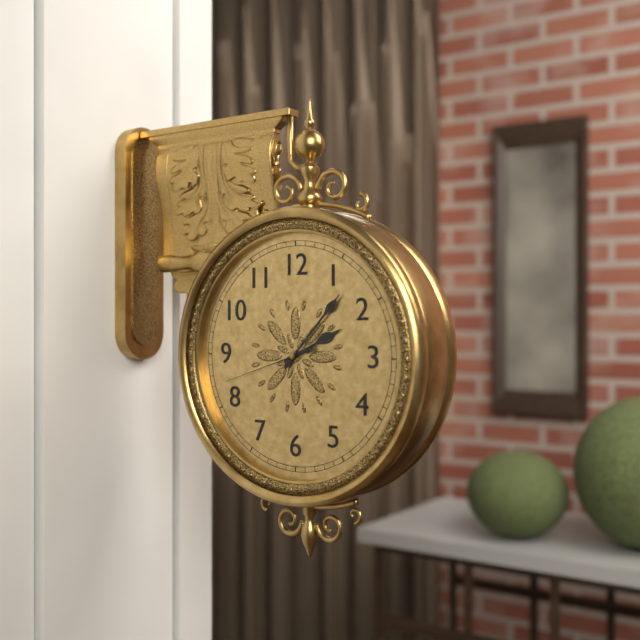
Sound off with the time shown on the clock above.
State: 2:07:42
